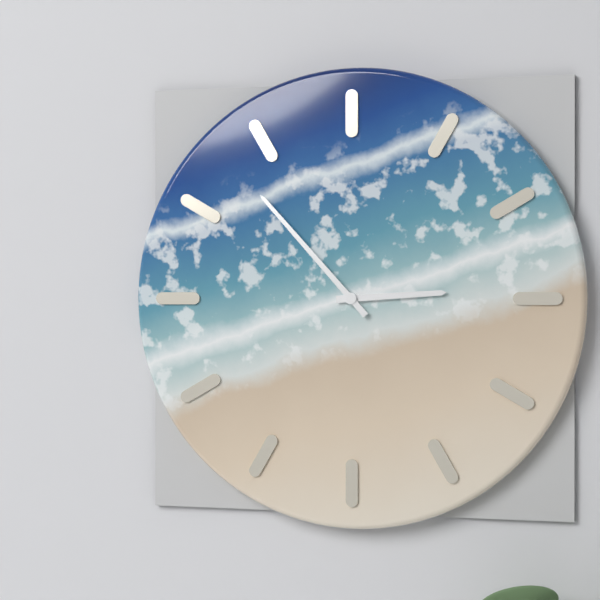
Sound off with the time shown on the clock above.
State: 2:53
